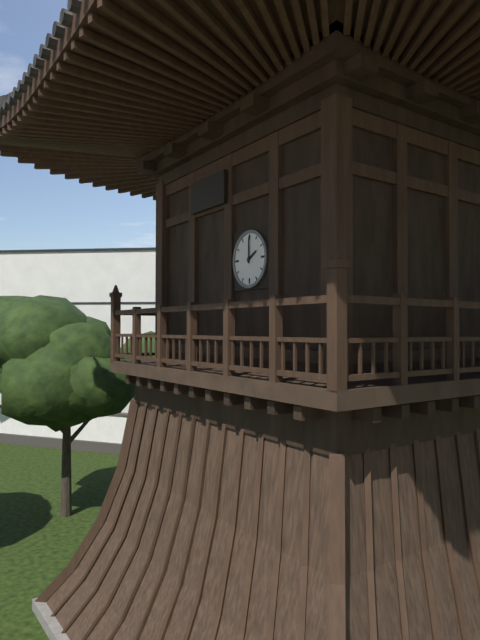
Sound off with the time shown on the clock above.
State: 2:00
